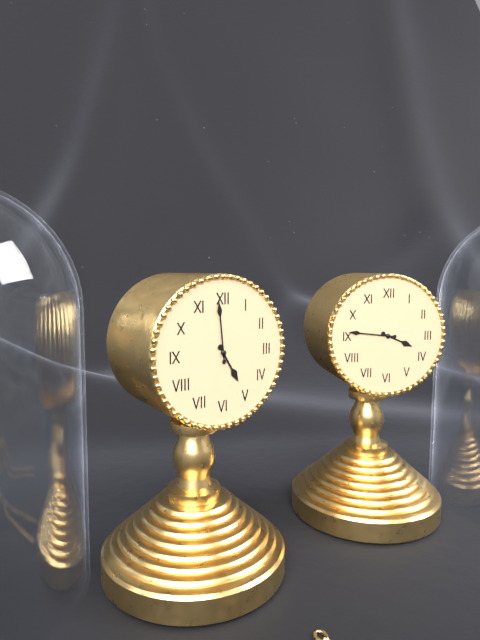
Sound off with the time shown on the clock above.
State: 4:59
